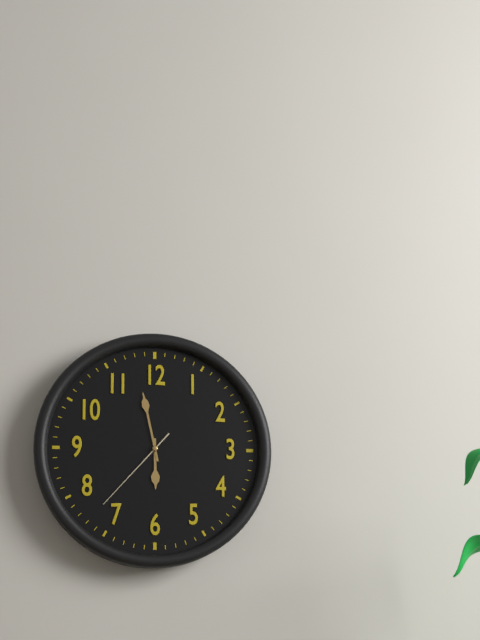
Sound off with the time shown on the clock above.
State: 5:58:37
